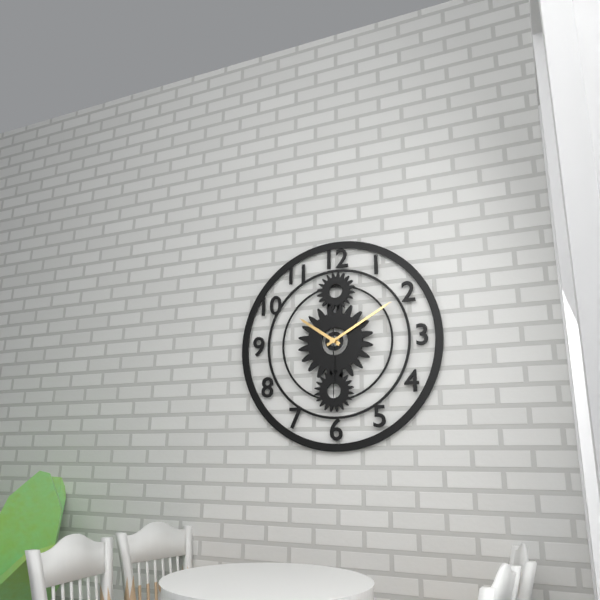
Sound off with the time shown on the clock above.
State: 10:10:30
